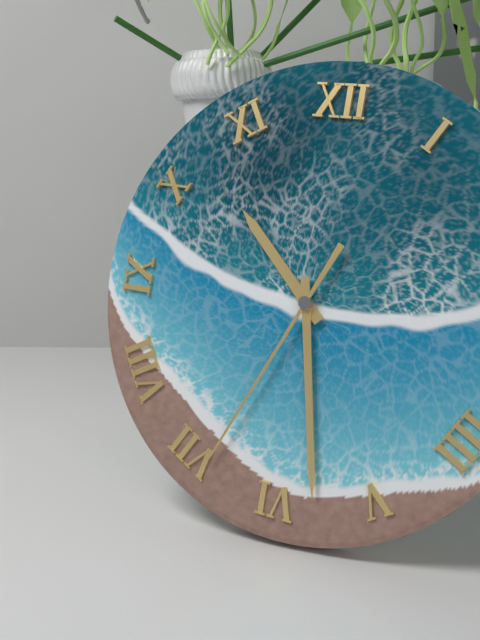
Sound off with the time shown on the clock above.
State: 10:28:34
